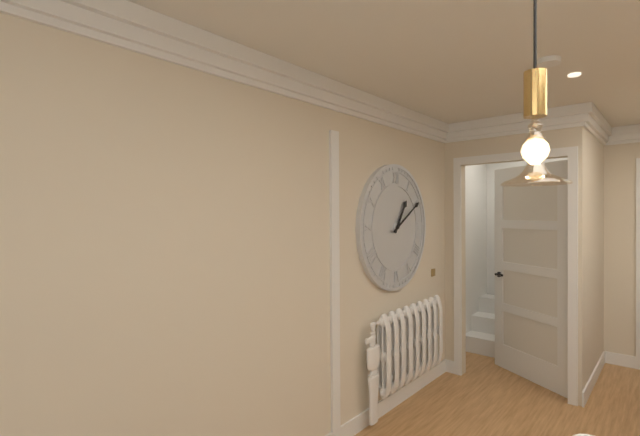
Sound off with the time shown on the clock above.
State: 1:10
